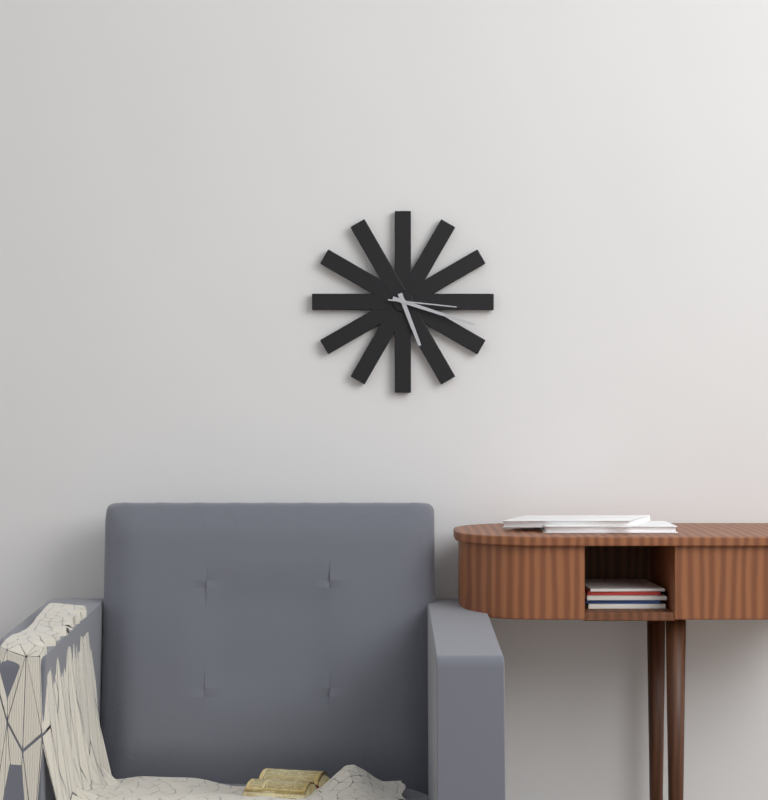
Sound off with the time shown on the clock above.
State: 5:18:16
